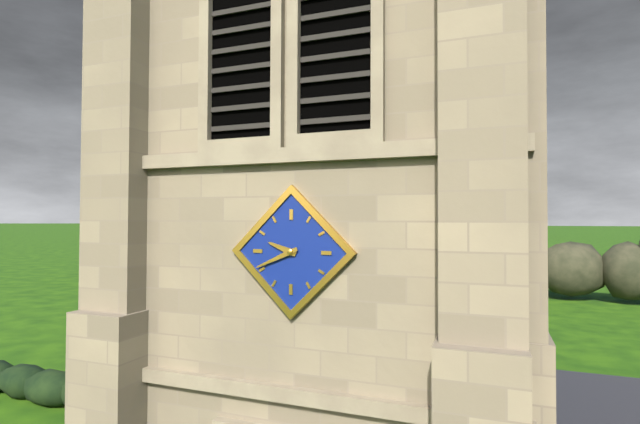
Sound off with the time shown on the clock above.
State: 9:41
